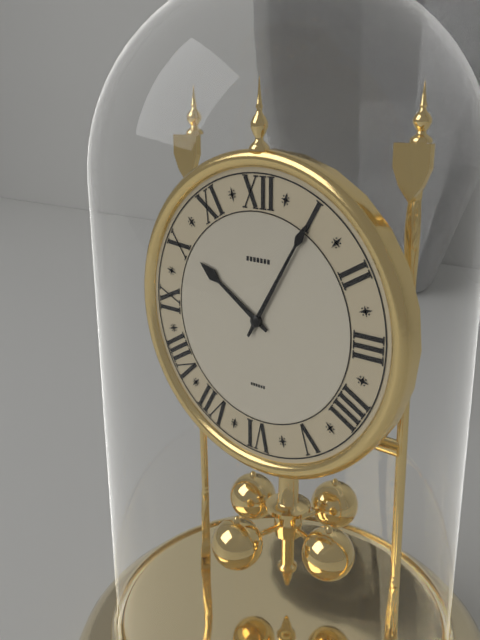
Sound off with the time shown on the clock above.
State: 10:05
